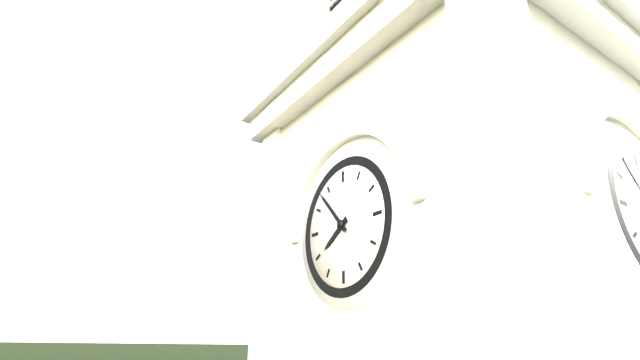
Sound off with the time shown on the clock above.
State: 7:53
